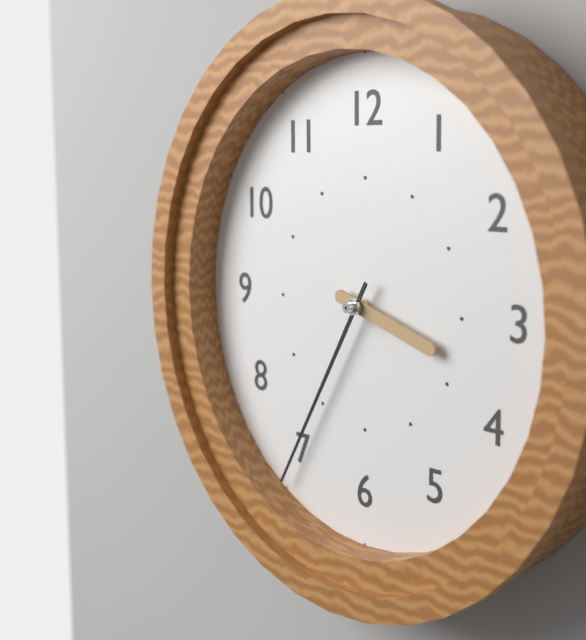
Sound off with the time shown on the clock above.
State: 3:35
